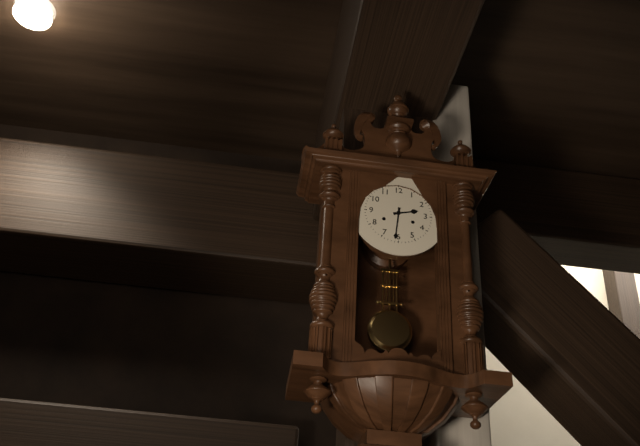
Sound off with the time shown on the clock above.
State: 2:31
